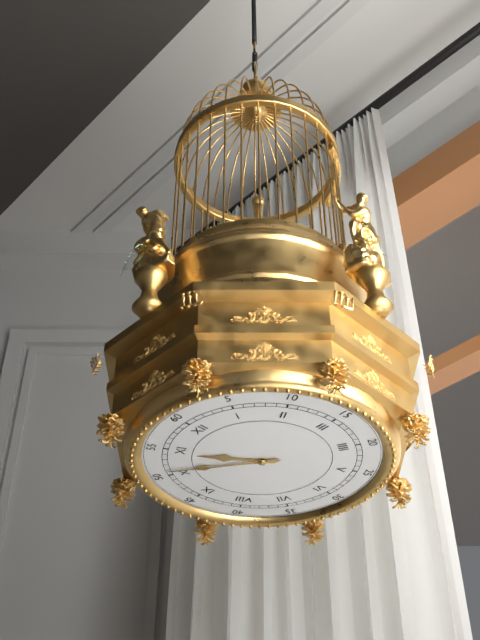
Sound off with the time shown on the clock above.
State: 10:51
